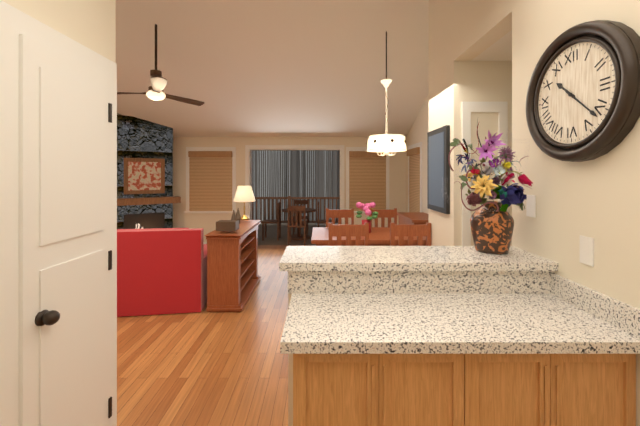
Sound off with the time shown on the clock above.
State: 10:22
